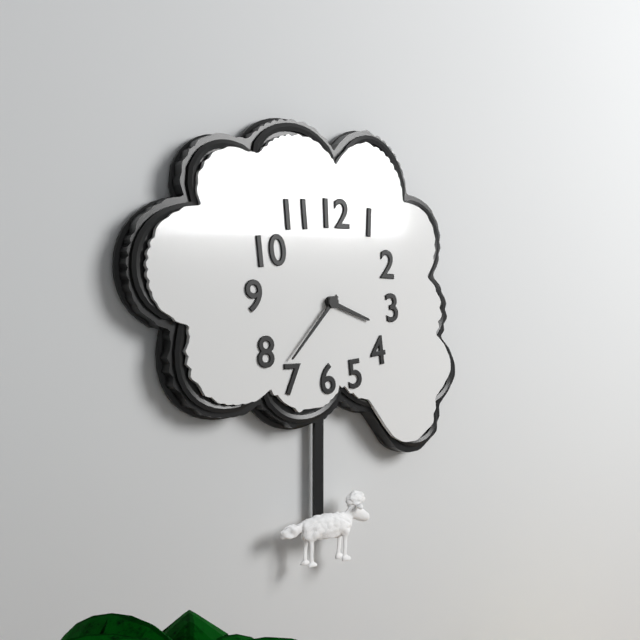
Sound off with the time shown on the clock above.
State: 3:37
